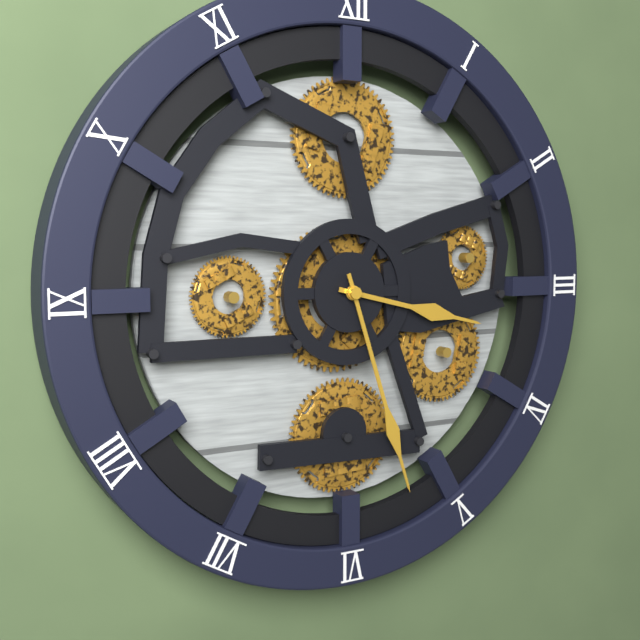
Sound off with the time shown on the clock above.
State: 3:27
